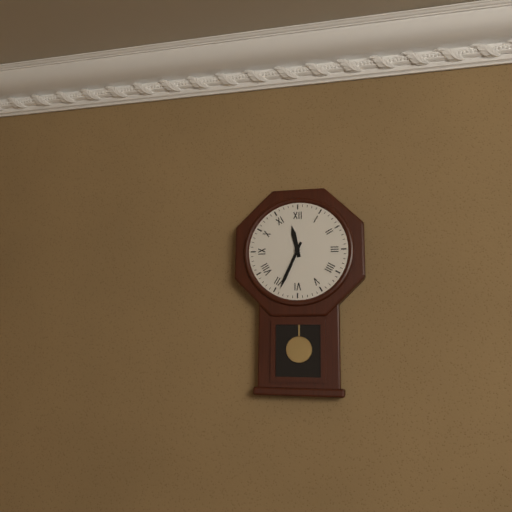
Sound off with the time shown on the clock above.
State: 11:34
